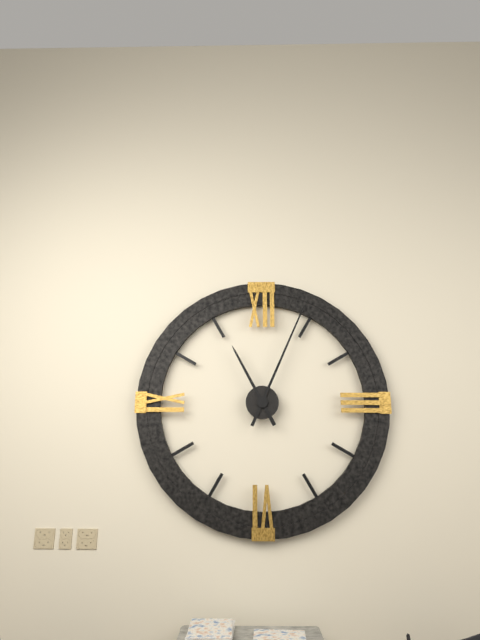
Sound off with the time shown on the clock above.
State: 11:04
